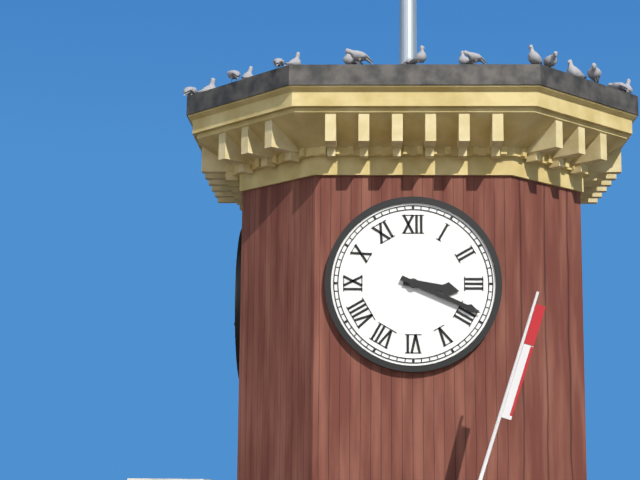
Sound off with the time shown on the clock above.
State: 3:19
